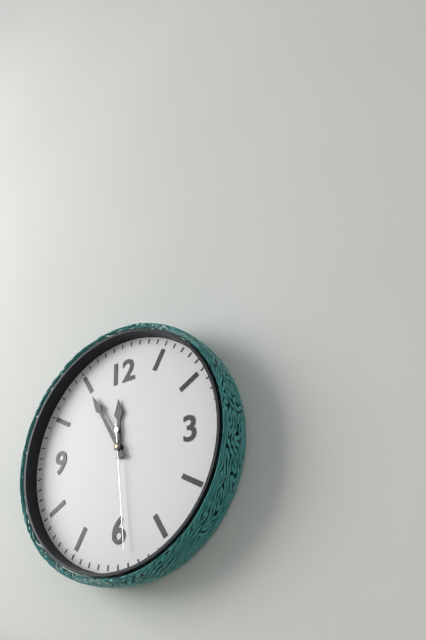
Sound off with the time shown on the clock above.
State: 11:55:29
